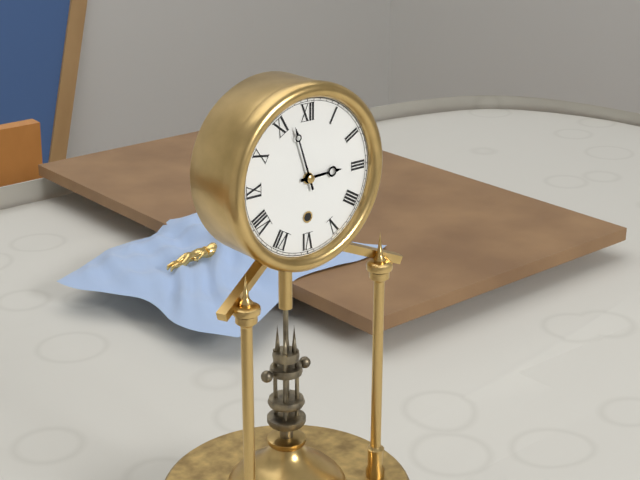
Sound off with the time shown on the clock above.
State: 2:57
